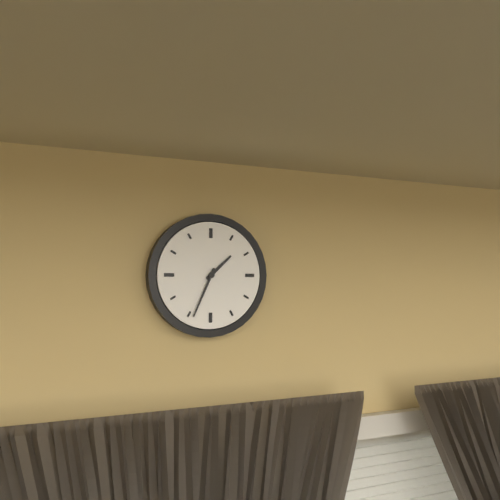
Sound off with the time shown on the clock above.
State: 1:34
